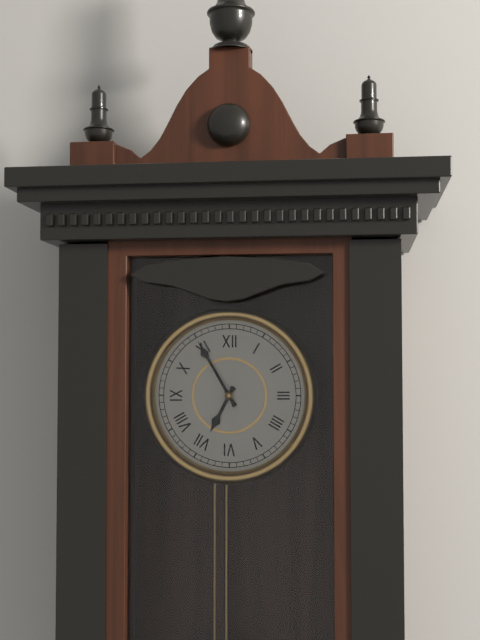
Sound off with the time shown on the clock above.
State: 6:55
